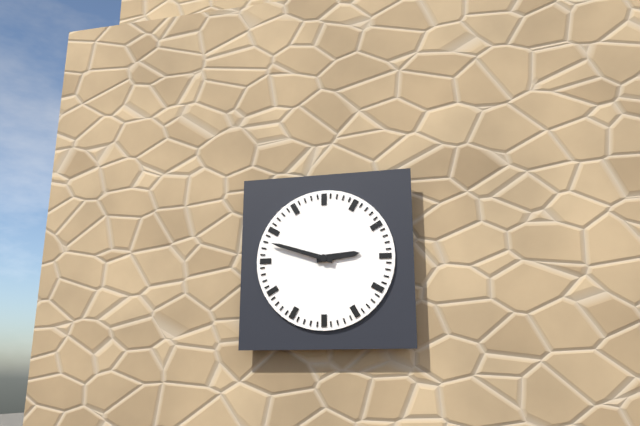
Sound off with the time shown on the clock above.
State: 2:48
